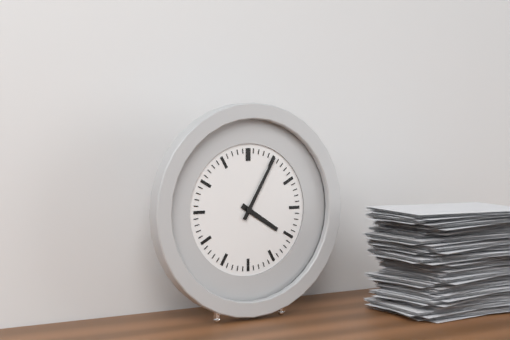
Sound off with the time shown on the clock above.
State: 4:05
